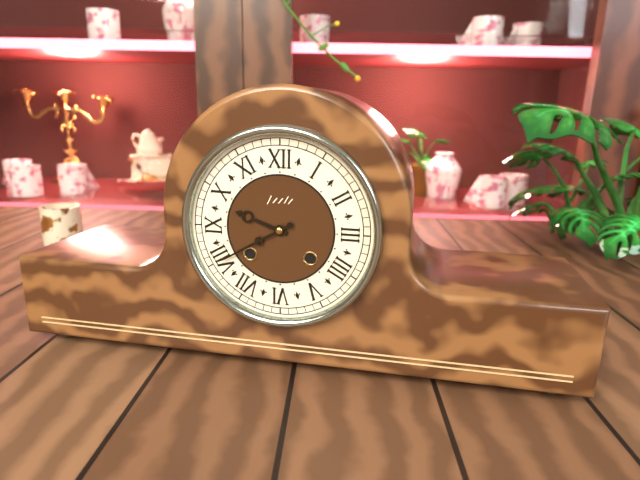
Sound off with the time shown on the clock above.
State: 9:40
